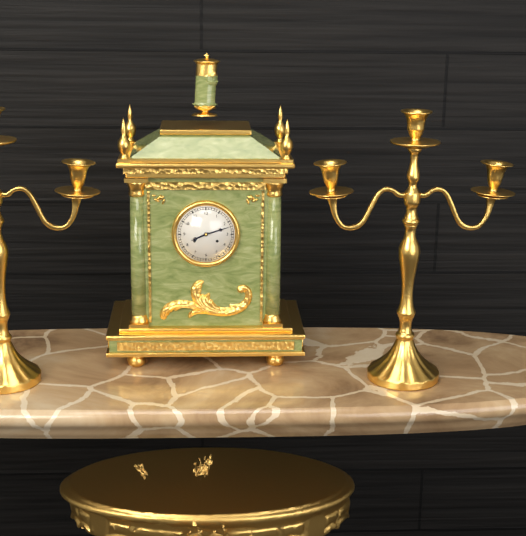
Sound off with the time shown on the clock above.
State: 8:12
